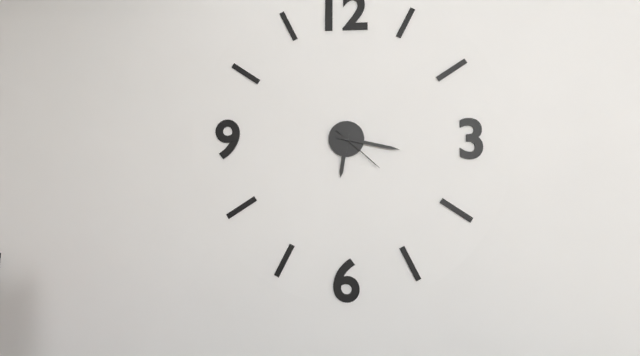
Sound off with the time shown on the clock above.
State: 6:17:22
